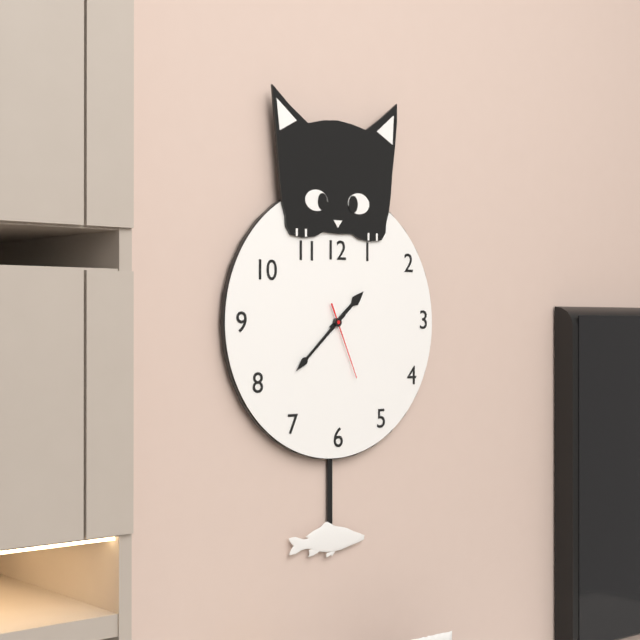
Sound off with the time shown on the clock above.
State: 1:38:26
